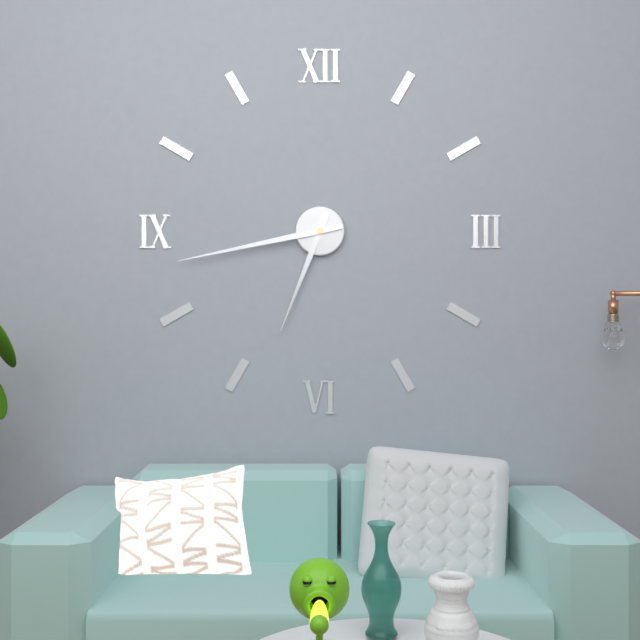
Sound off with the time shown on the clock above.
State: 6:43
